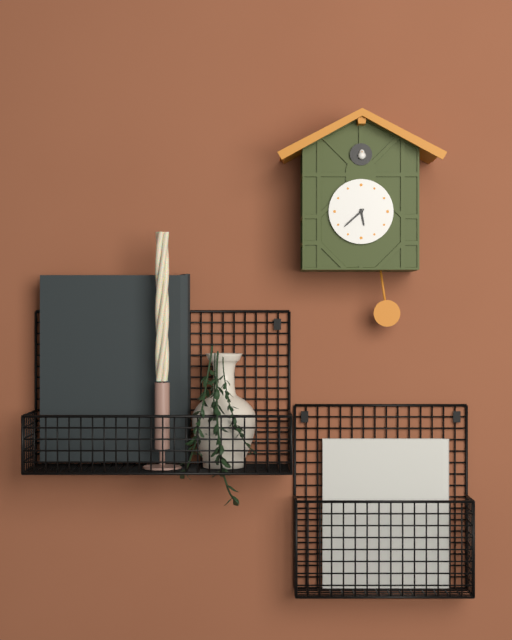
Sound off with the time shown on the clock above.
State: 5:38
